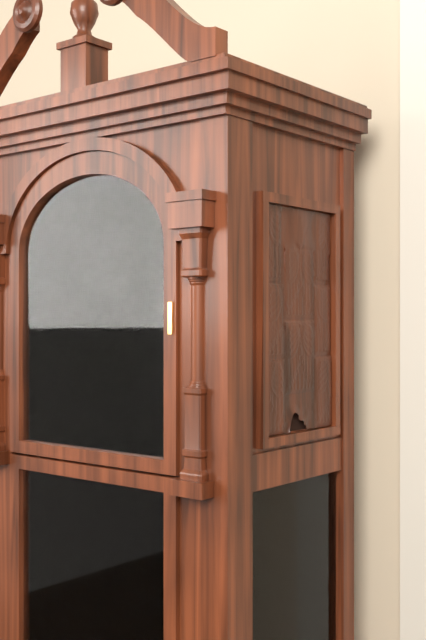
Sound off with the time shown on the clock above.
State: 3:18
